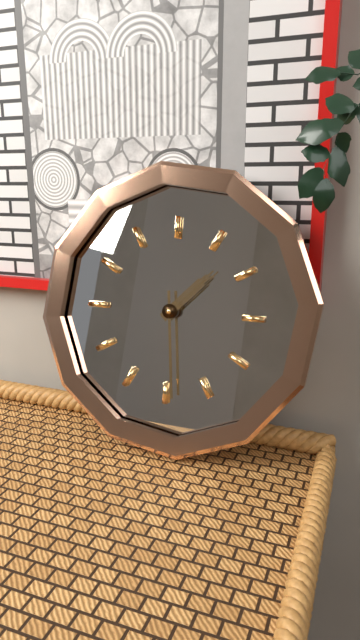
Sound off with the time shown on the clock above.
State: 1:29
